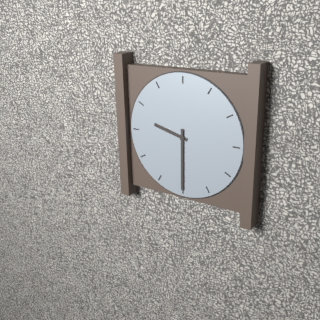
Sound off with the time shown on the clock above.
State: 9:30
